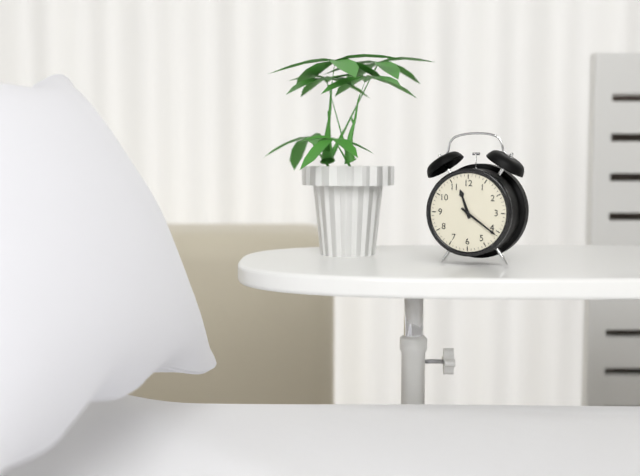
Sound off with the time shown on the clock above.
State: 11:21
